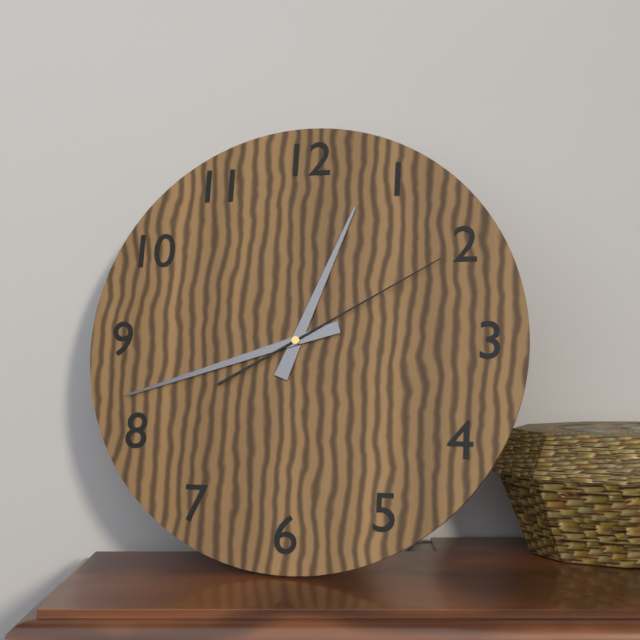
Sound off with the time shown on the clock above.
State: 12:42:10
